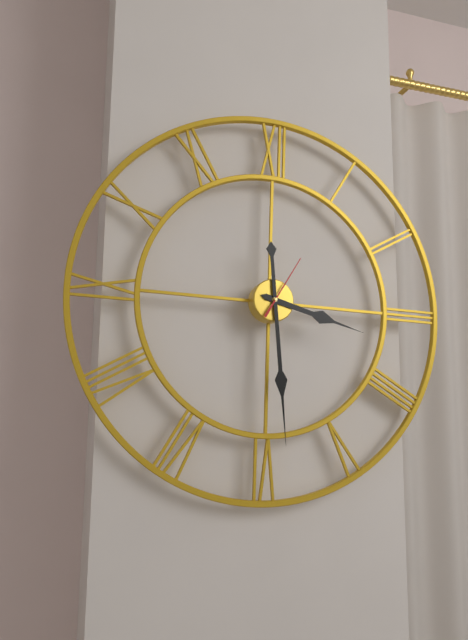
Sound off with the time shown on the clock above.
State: 3:29:05
